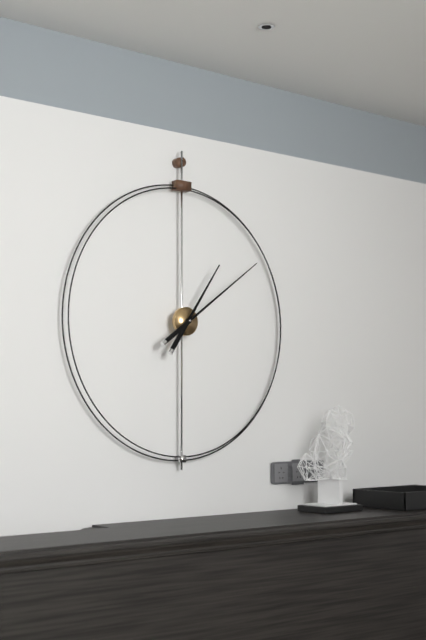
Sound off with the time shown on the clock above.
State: 1:09
